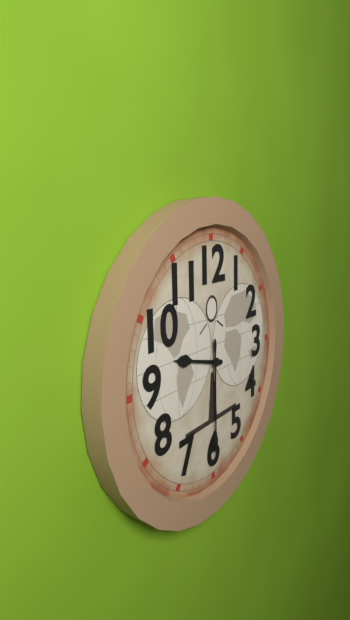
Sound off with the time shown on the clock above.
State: 9:30
